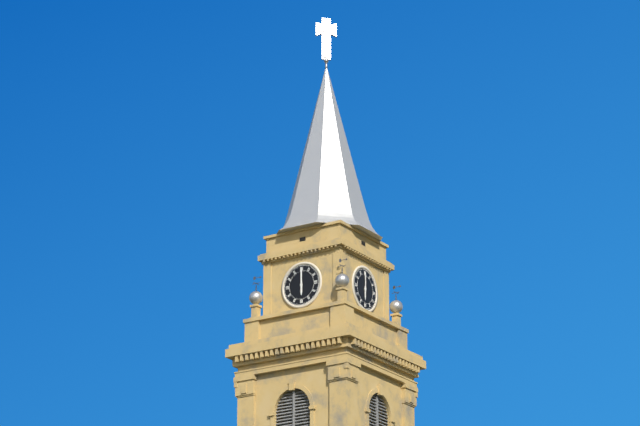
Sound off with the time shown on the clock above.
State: 6:00
